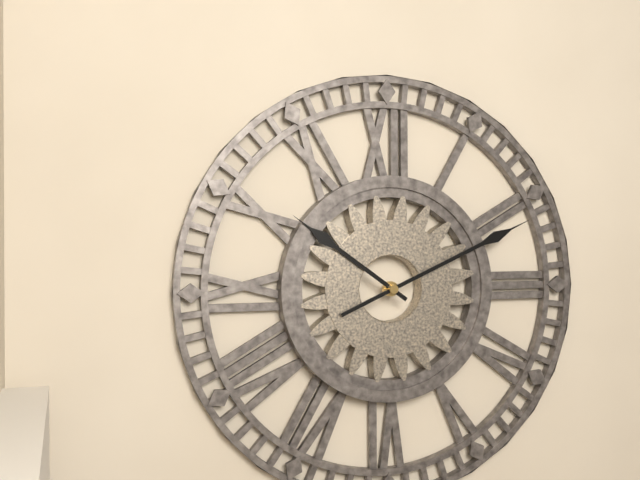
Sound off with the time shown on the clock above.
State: 10:11
